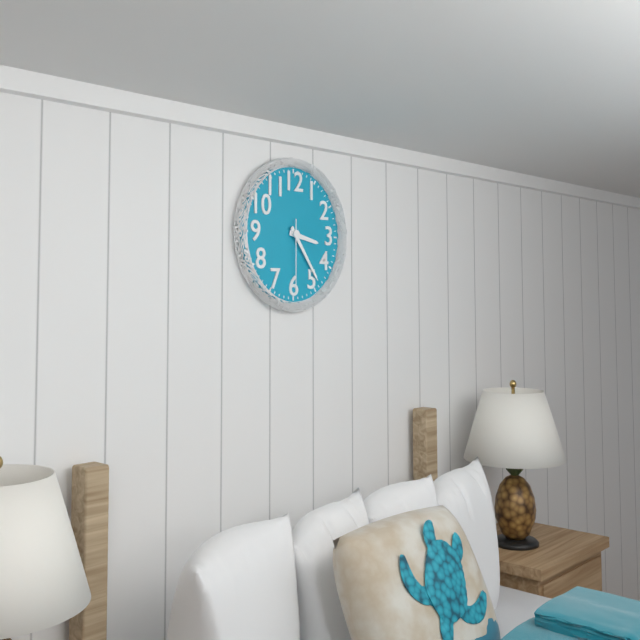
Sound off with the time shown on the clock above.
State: 3:24:30
